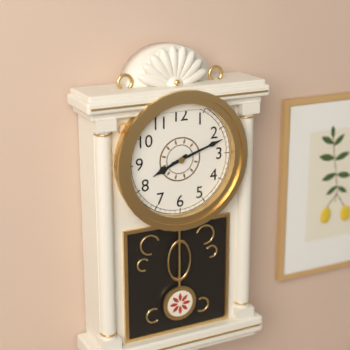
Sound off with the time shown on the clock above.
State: 8:12
